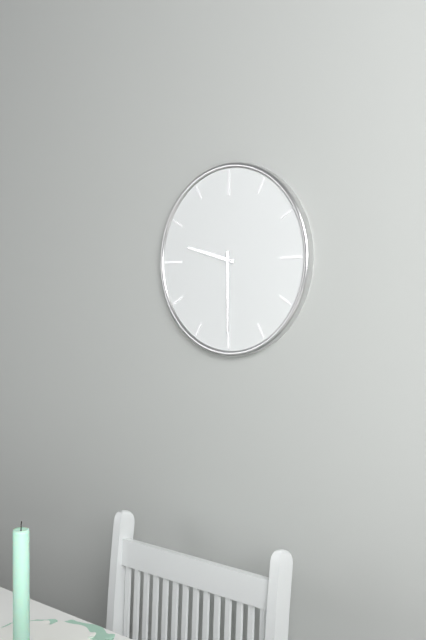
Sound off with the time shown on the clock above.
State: 9:30
